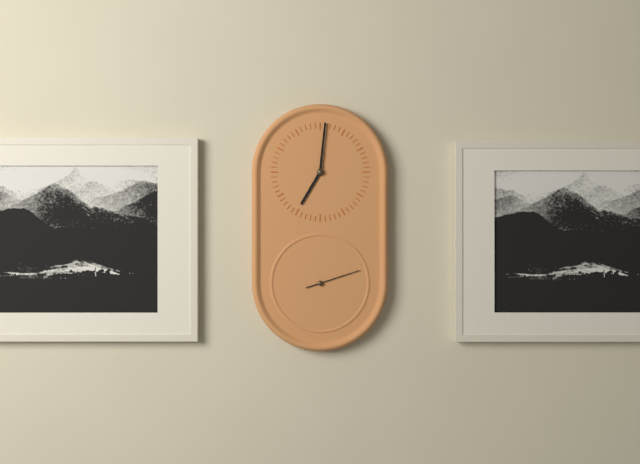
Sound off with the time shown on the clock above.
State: 7:01:12
